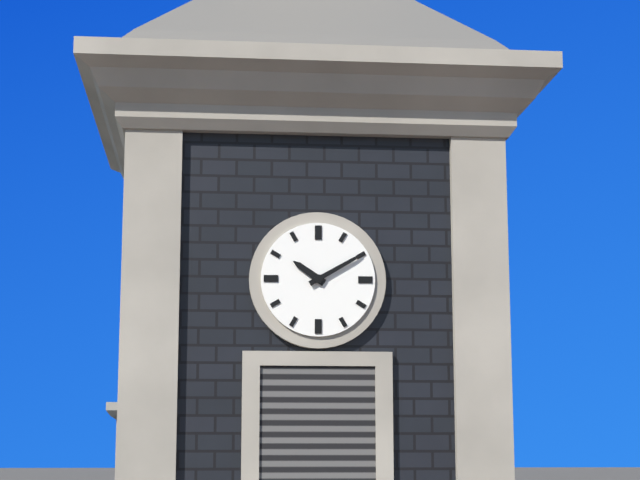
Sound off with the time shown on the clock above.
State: 10:10
